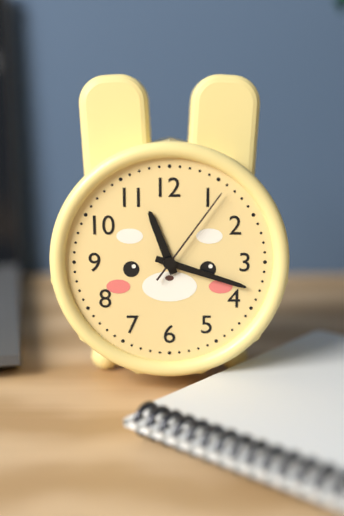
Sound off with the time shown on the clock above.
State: 11:18:06
